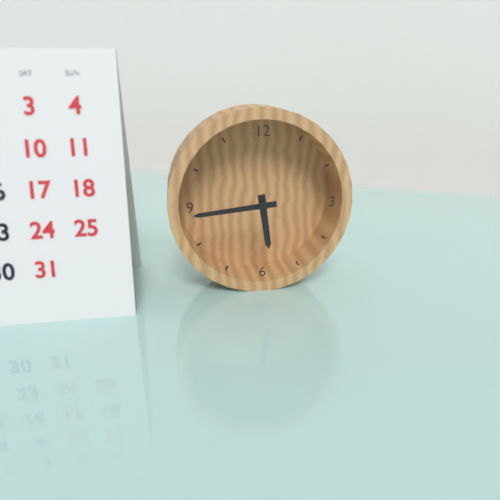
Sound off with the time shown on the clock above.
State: 5:44
